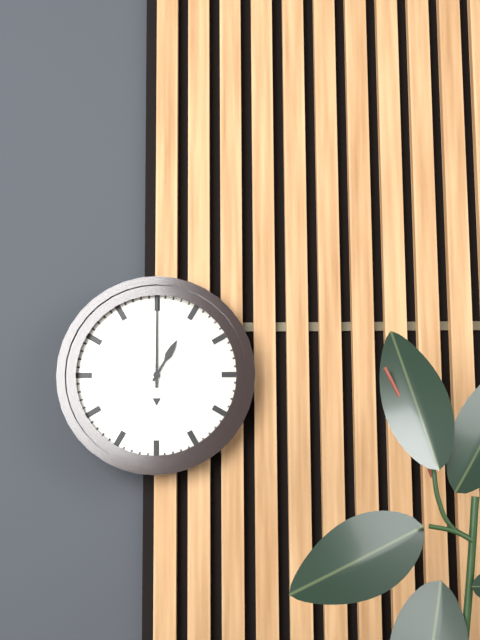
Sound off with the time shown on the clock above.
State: 1:00
